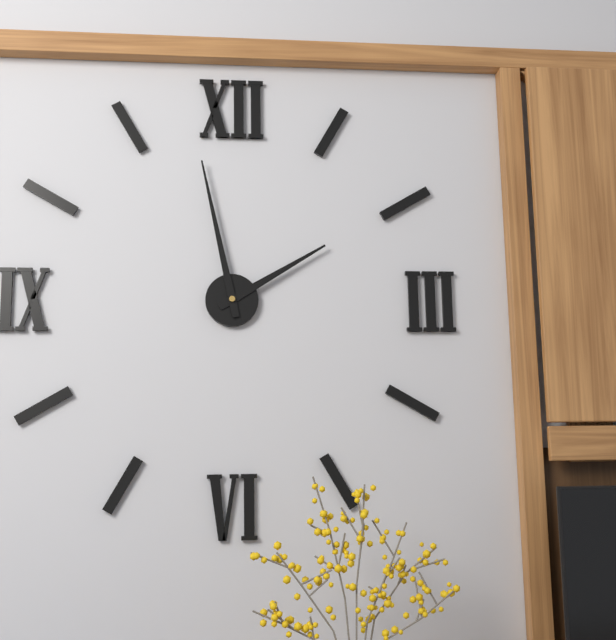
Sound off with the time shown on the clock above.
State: 1:58
